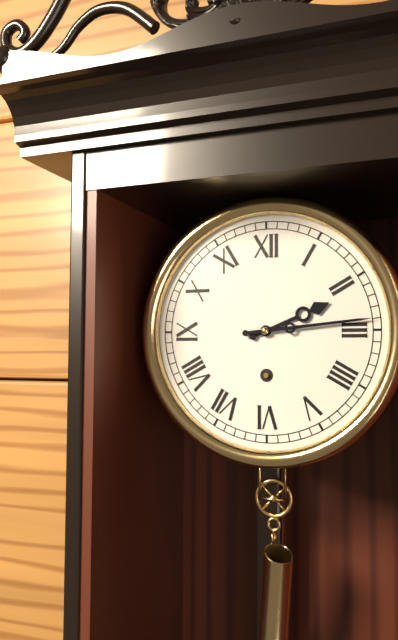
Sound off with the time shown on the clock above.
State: 2:14
